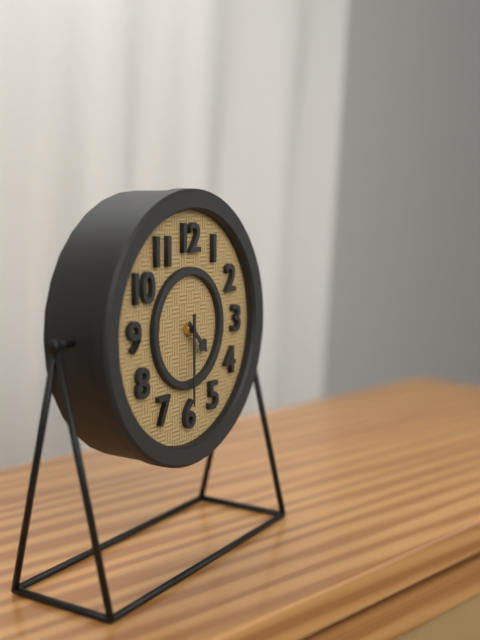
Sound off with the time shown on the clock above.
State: 4:30
